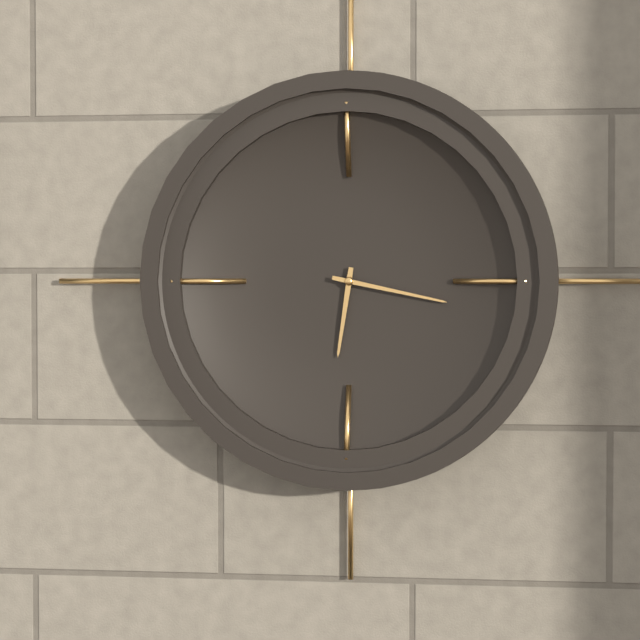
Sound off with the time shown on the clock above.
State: 6:17
